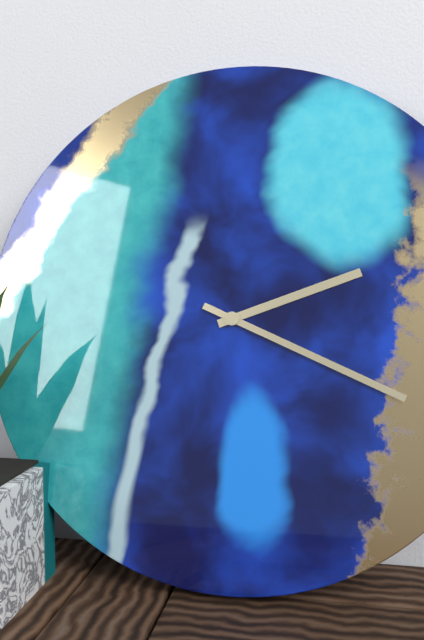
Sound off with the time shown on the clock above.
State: 2:19
